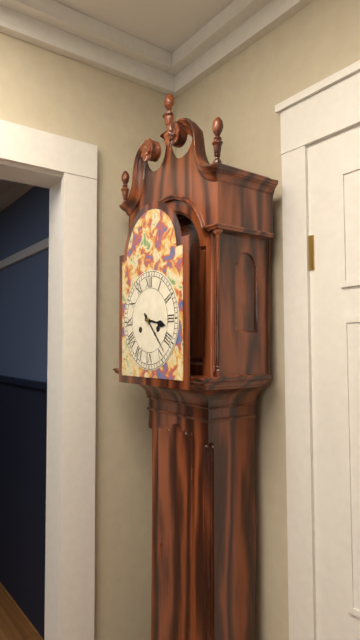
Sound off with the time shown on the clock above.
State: 3:23
